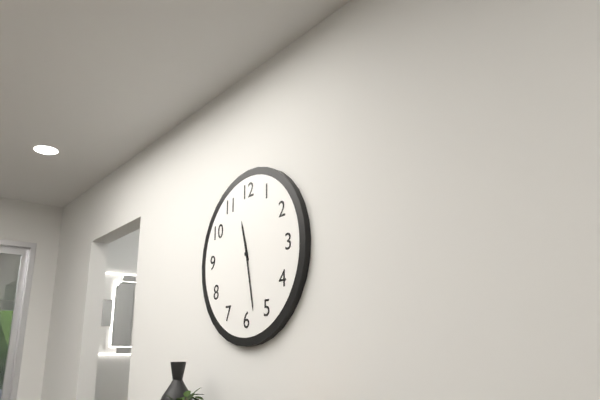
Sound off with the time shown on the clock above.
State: 11:28
